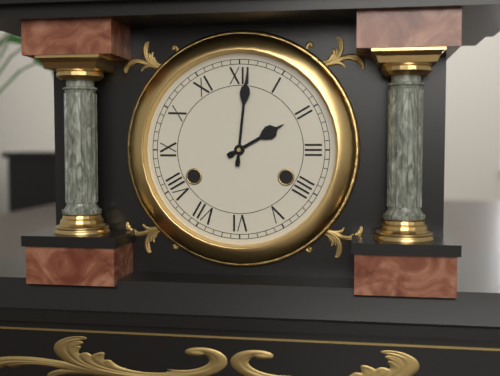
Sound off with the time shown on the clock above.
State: 2:01
